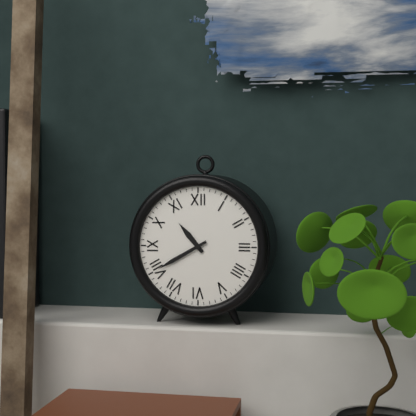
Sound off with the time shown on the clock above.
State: 10:40
